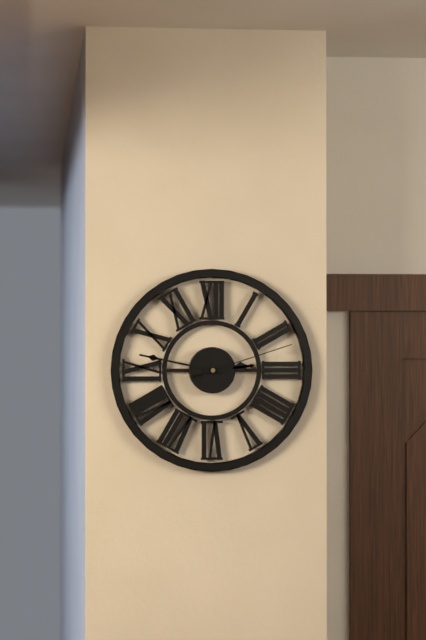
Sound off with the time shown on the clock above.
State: 2:47:12
